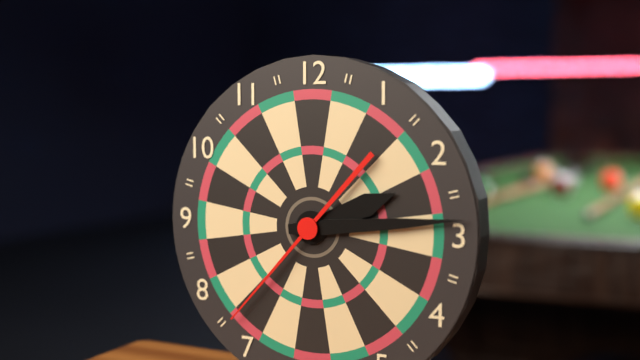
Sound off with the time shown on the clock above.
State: 2:14:37
